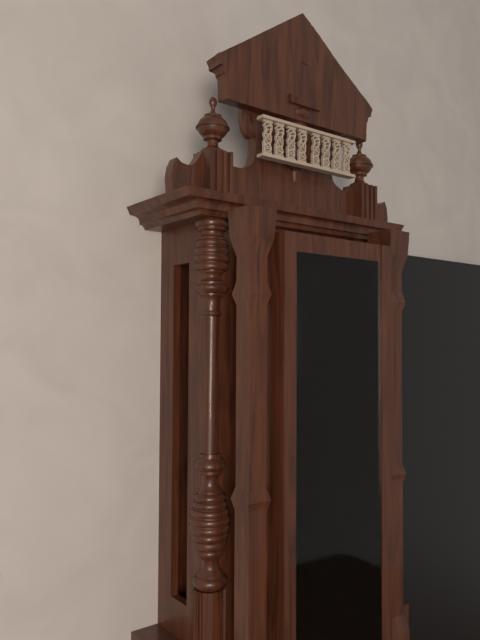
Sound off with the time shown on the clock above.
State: 4:45
